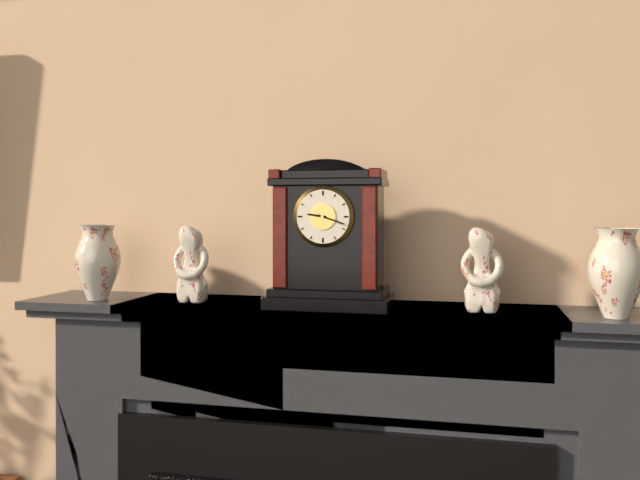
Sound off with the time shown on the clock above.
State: 9:18
